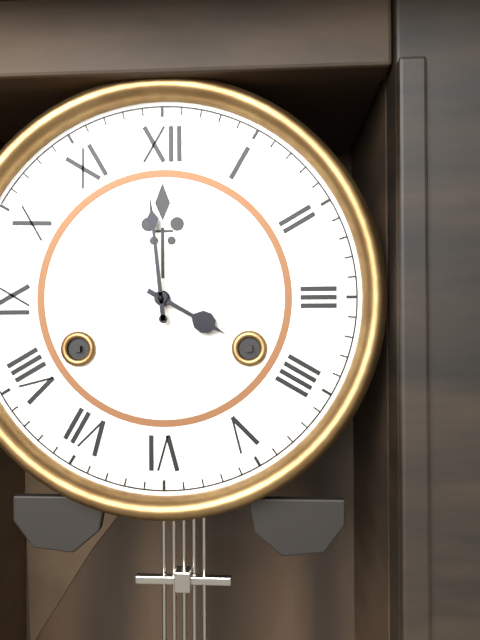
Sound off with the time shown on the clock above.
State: 3:59
